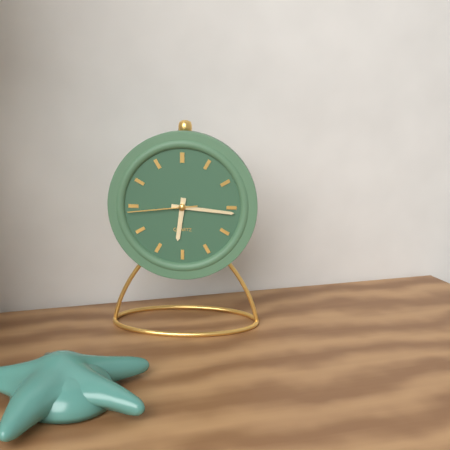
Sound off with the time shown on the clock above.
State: 6:16:44
